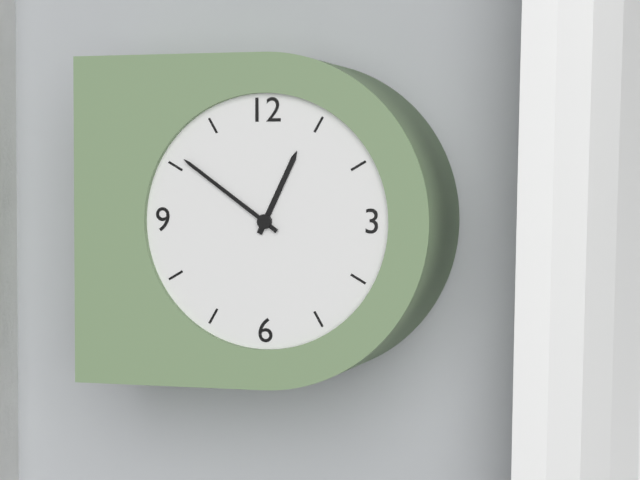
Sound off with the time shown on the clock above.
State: 12:51
